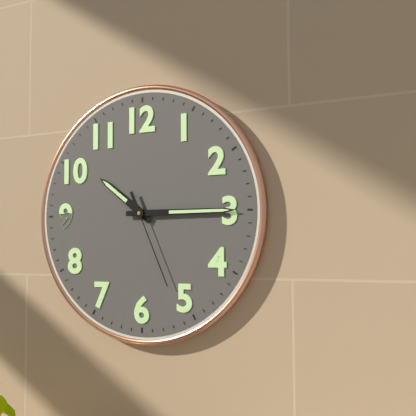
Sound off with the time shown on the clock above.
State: 10:15:26
